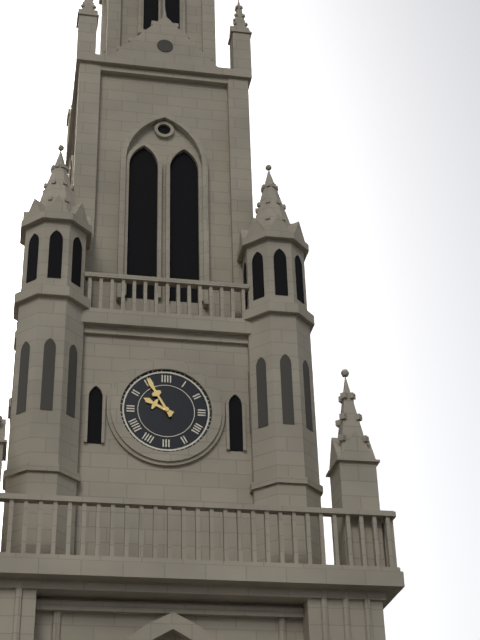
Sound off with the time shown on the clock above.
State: 9:55
